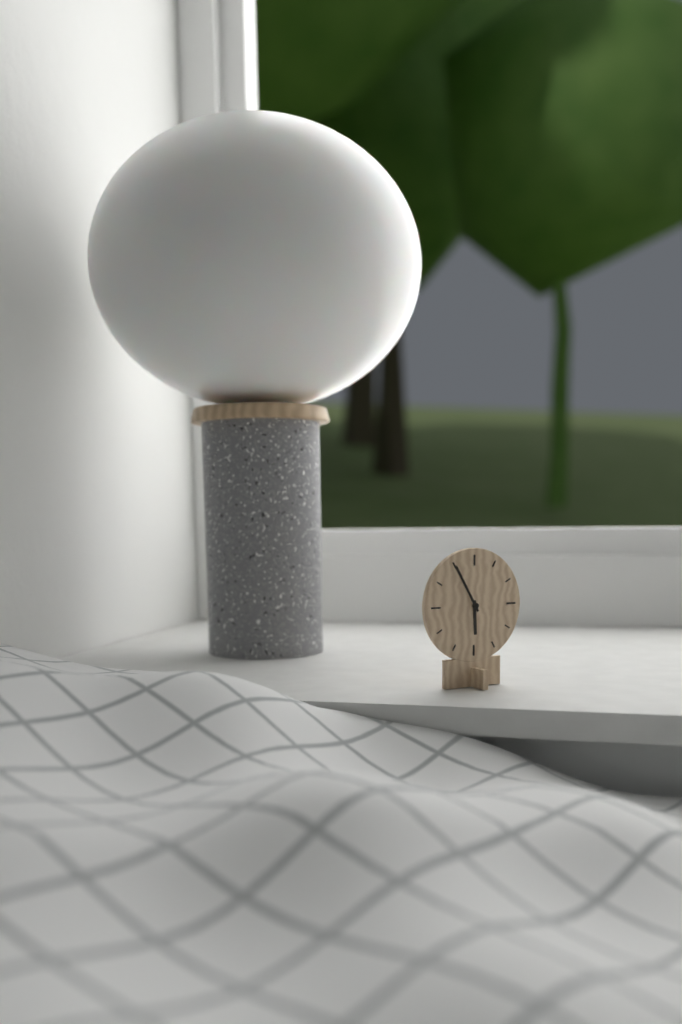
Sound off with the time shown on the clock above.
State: 5:55
